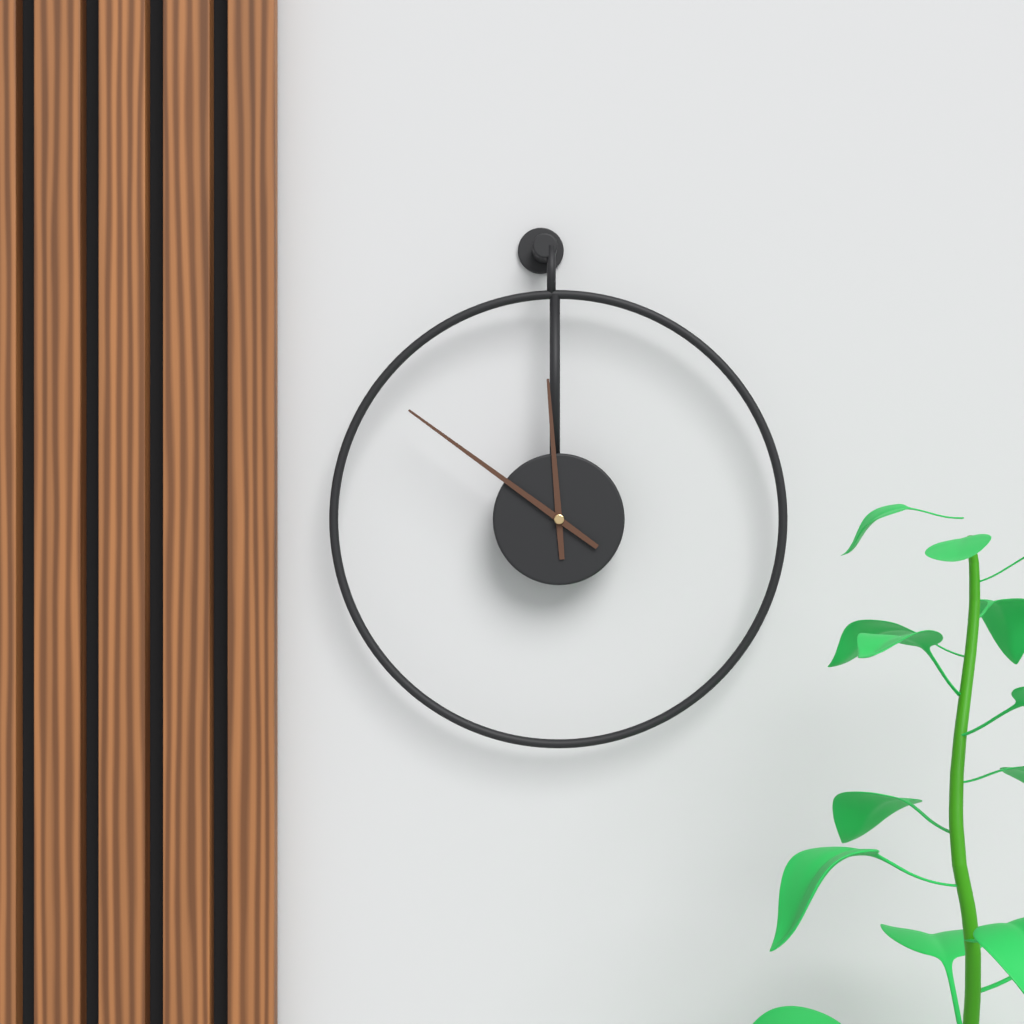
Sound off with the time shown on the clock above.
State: 11:51
